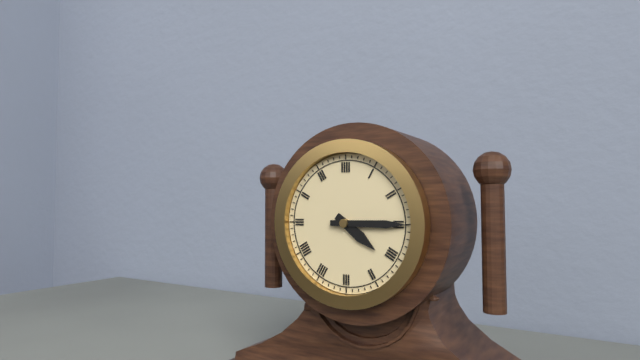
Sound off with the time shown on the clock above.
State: 4:15
